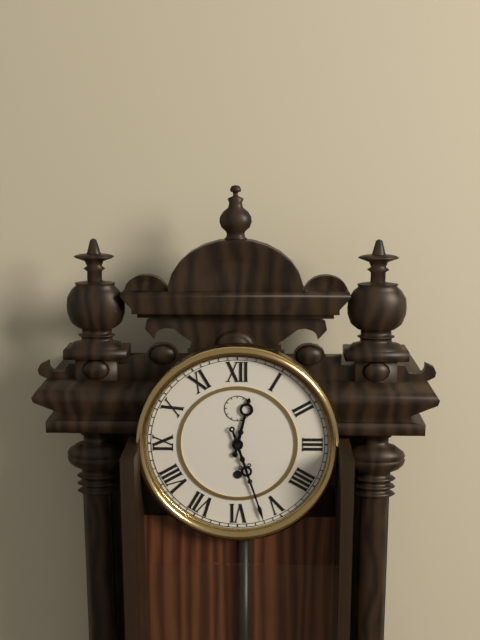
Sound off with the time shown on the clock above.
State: 12:27
